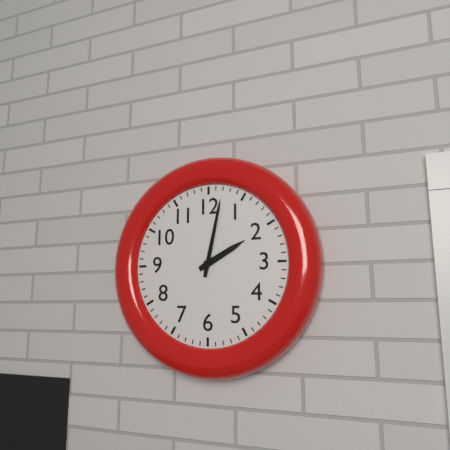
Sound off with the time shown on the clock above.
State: 2:02
